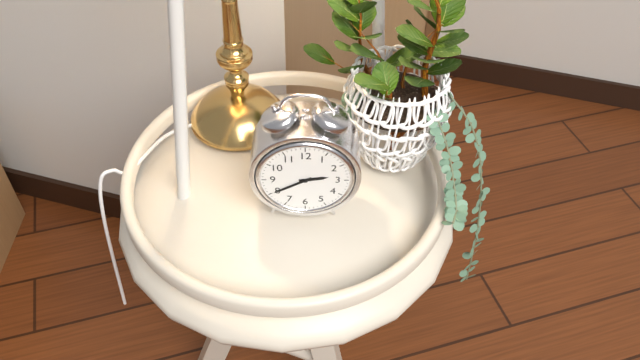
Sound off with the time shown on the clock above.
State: 2:40
